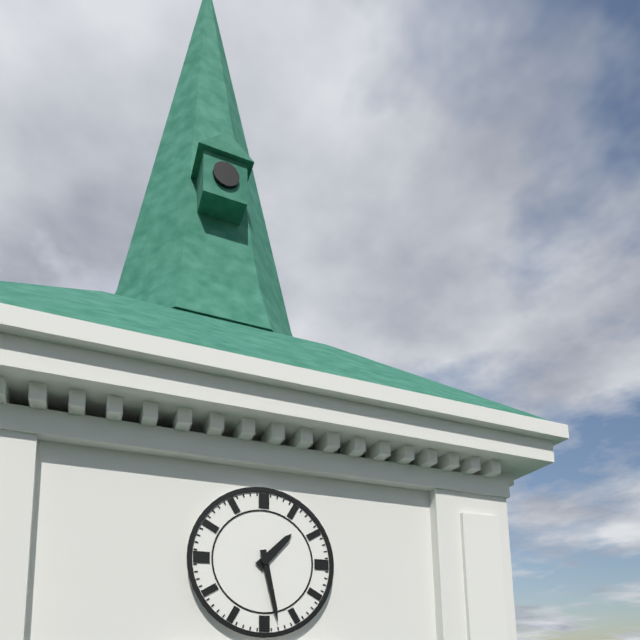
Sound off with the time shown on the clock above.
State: 1:28
